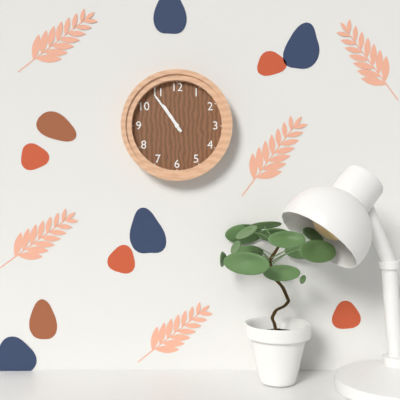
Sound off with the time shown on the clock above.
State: 10:54
